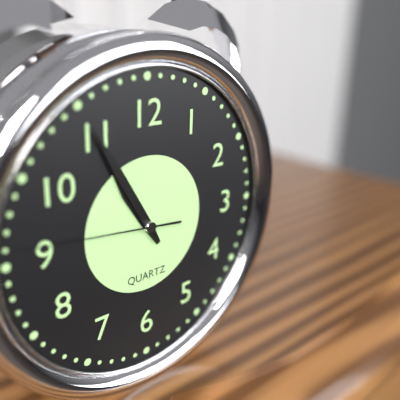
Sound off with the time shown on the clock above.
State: 10:55:46
